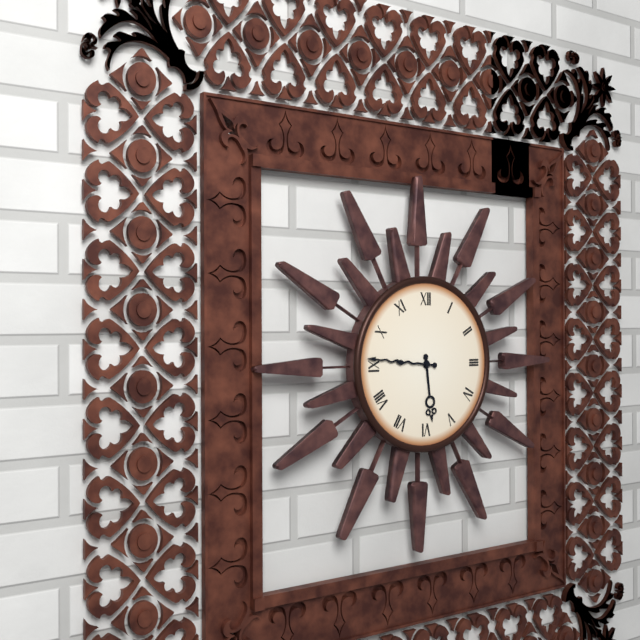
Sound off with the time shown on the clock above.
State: 5:46
